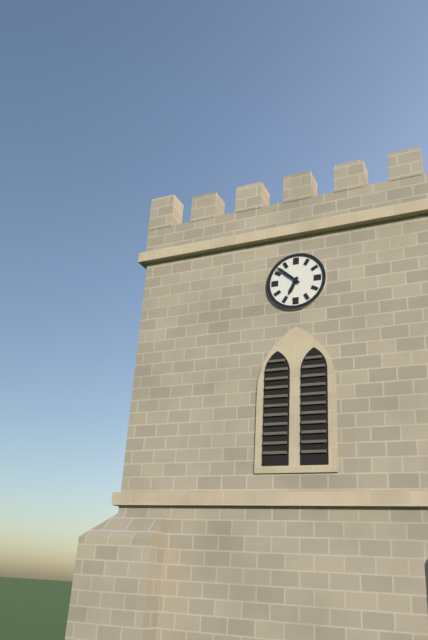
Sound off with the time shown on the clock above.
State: 6:52
